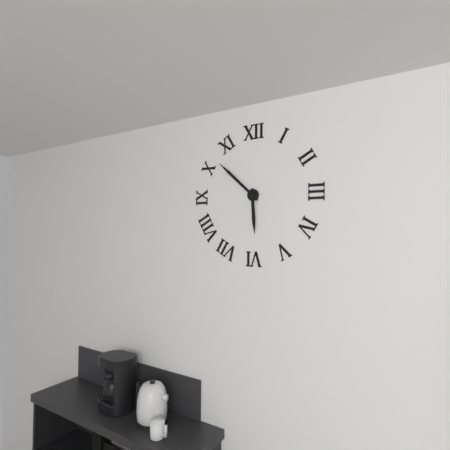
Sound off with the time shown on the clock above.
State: 5:52
